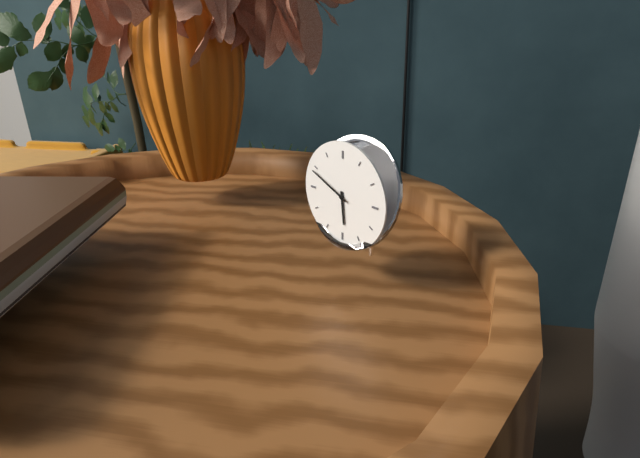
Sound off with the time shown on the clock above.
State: 5:49
